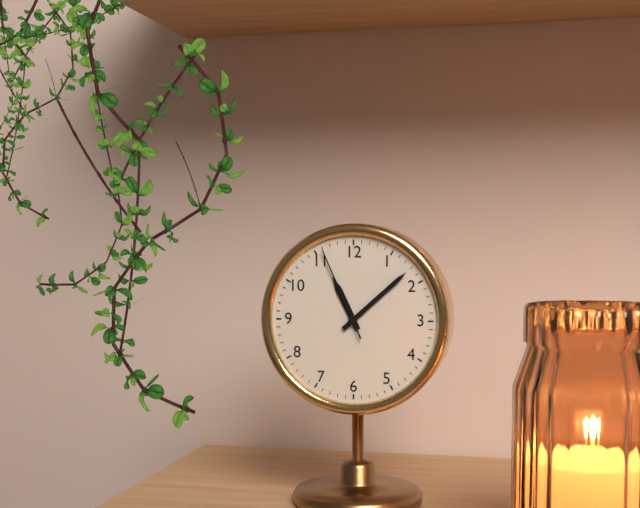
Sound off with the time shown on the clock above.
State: 11:08:56
